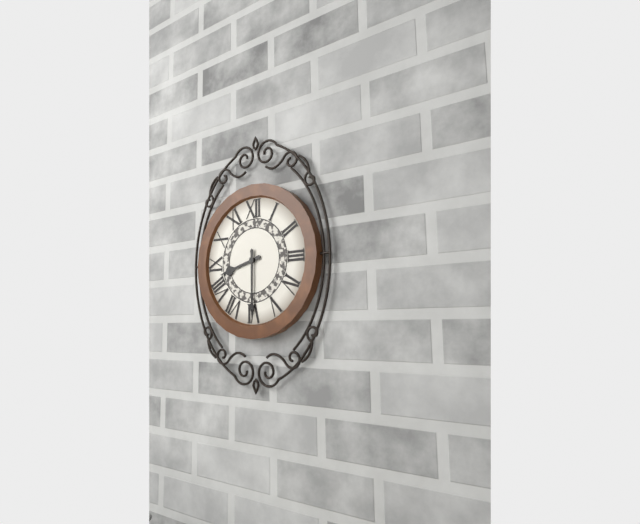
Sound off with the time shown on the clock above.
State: 8:30
